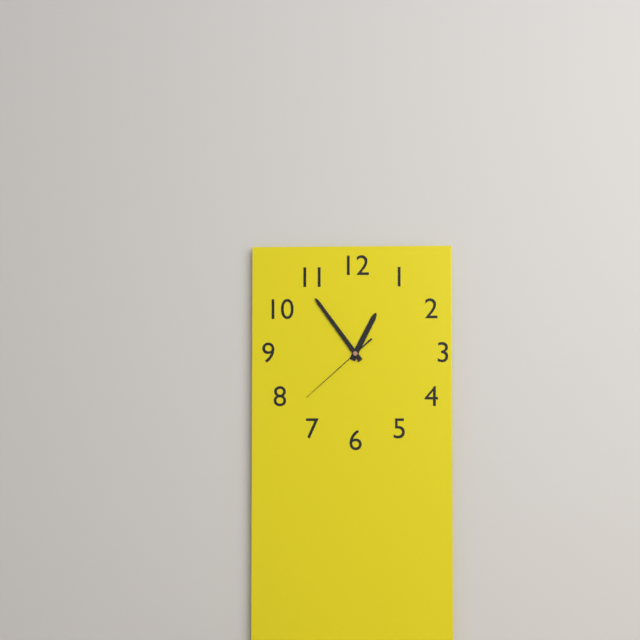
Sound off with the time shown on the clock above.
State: 12:54:38
